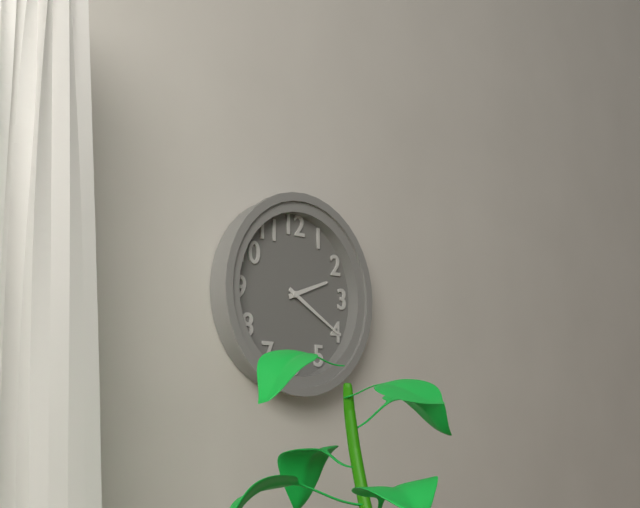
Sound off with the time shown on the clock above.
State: 2:20
